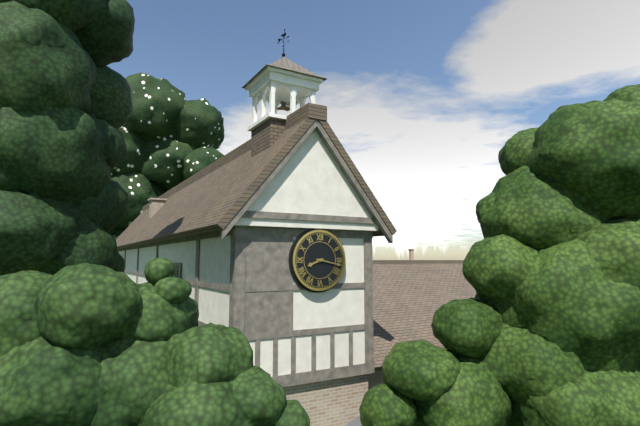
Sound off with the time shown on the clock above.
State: 8:17
